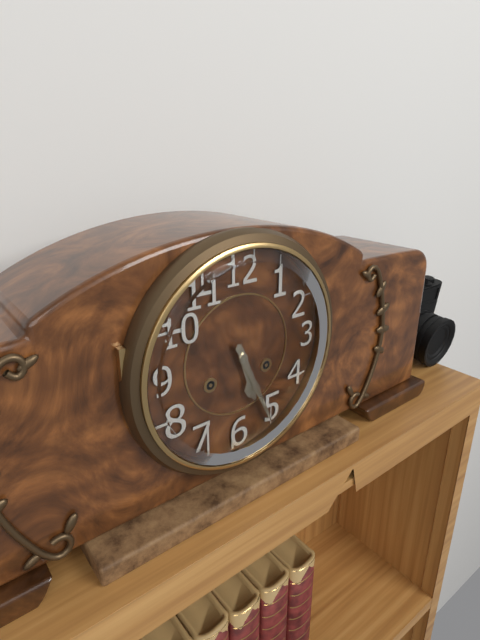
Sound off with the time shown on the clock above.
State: 5:26
